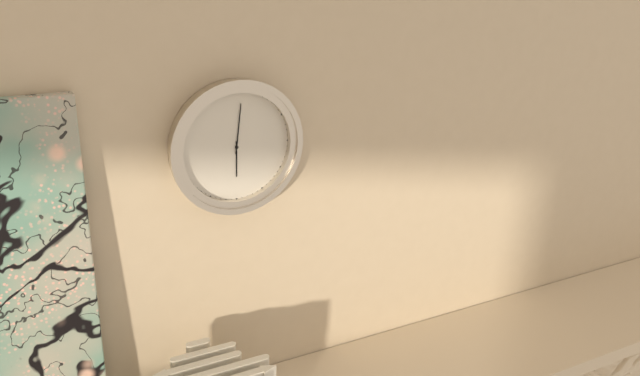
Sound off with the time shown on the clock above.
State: 6:01
